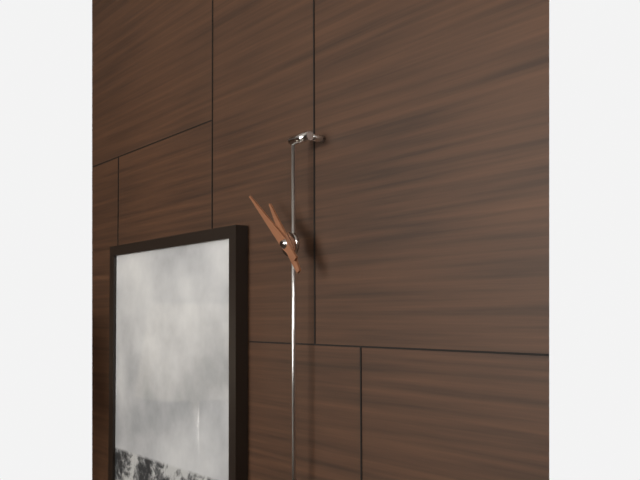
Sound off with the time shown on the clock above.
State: 10:52
